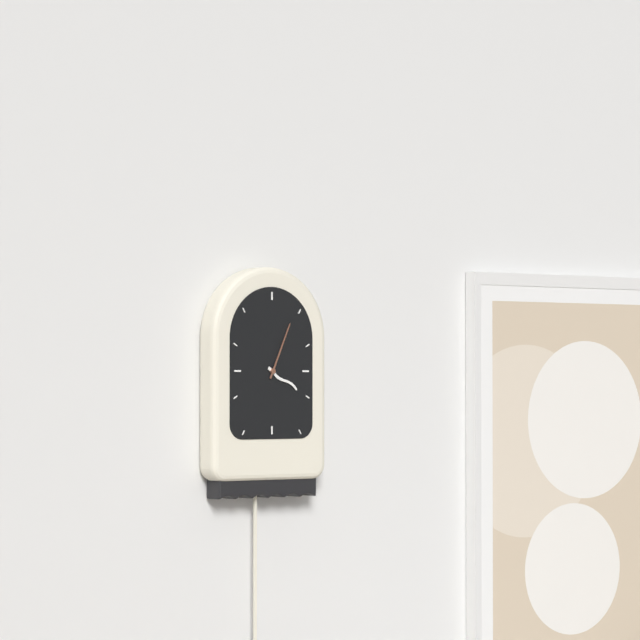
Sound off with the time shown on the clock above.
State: 4:04
